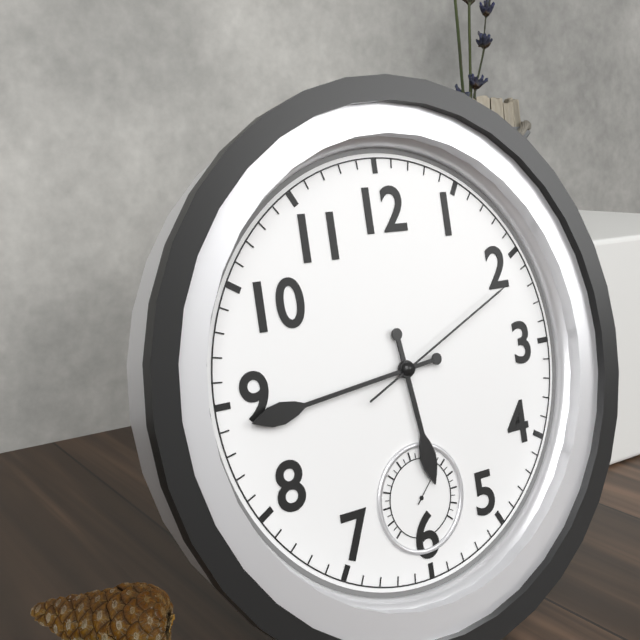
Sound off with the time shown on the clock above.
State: 5:44:11
